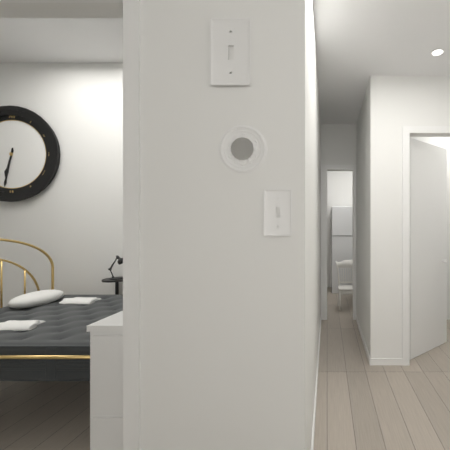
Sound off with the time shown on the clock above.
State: 6:32
